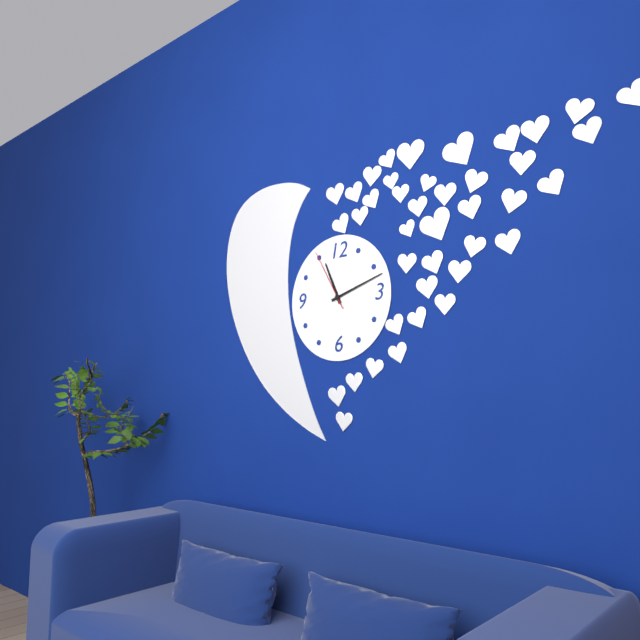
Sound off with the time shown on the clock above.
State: 11:12:55
